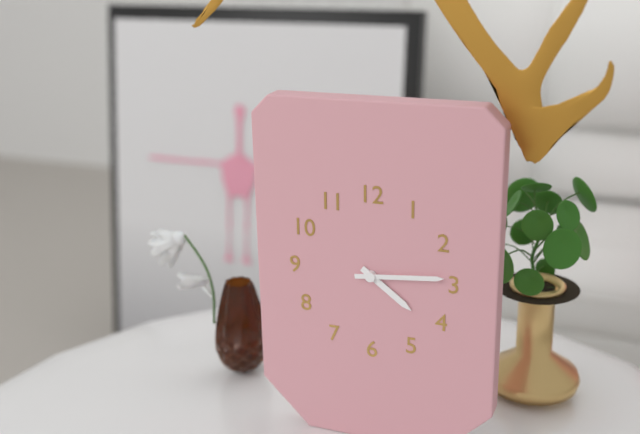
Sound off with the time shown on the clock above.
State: 4:14
